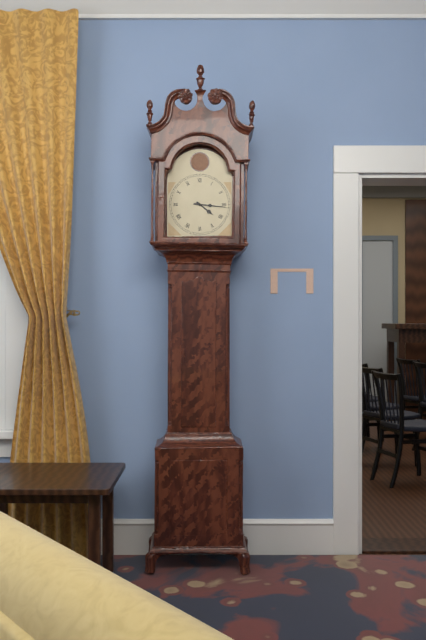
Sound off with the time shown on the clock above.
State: 4:16
